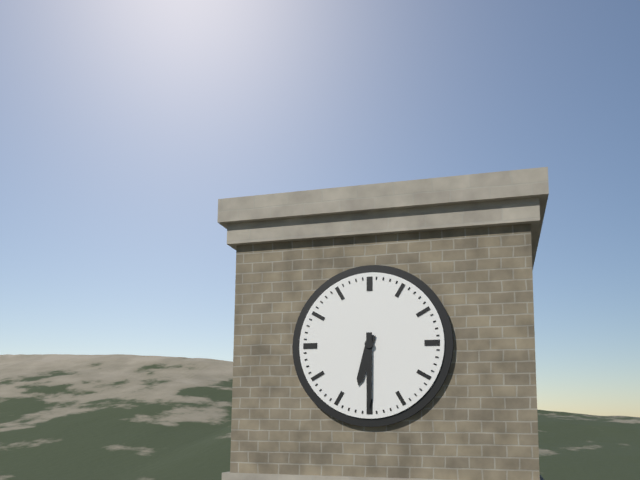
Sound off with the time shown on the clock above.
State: 6:30
